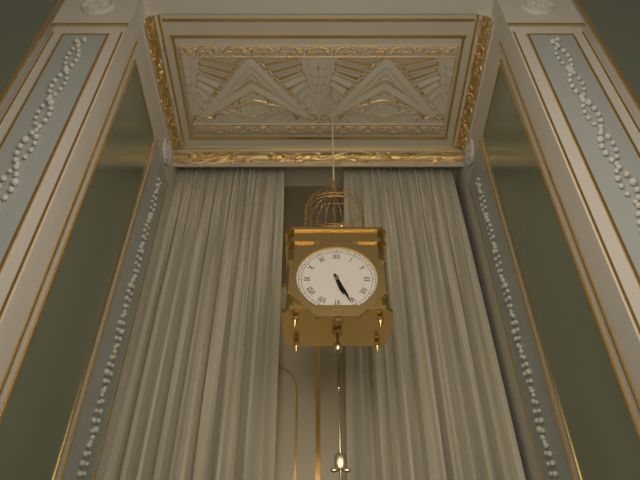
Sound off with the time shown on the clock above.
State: 5:26
